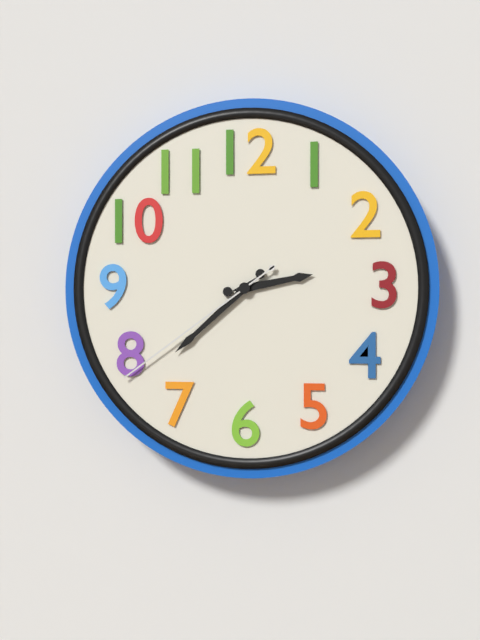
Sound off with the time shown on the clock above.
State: 2:38:39
